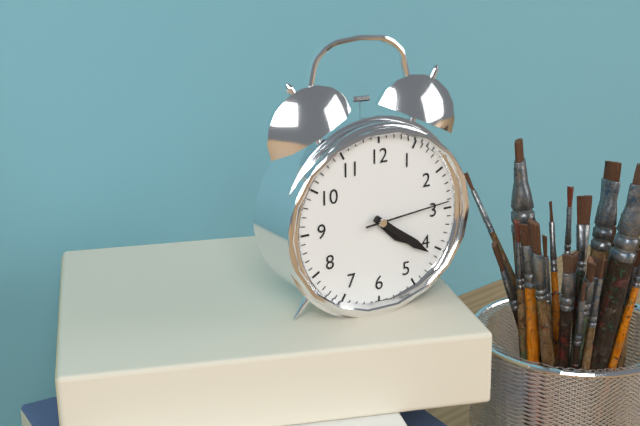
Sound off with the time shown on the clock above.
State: 4:21:14
